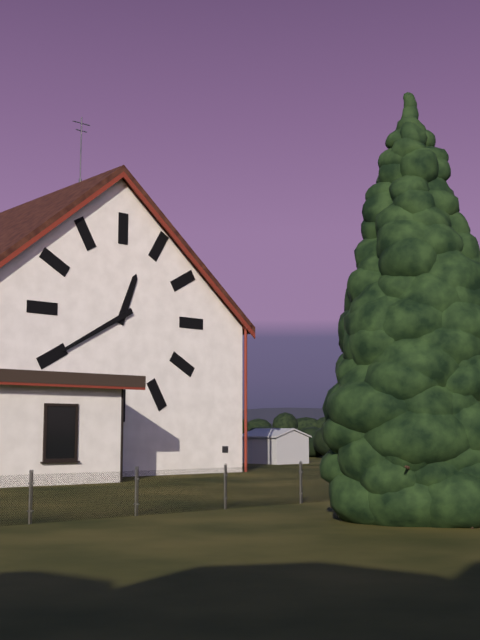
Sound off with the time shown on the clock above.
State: 12:40
